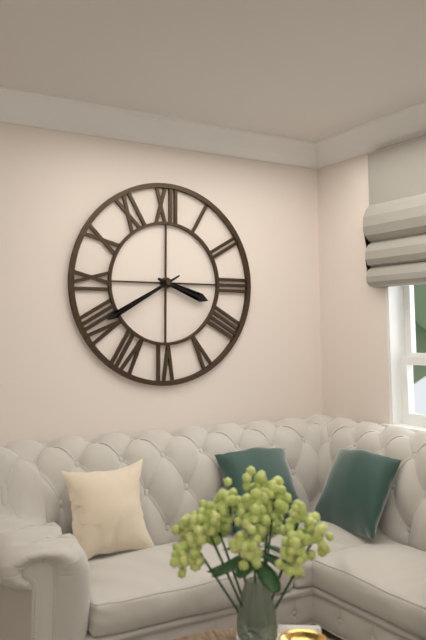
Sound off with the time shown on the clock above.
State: 3:40
